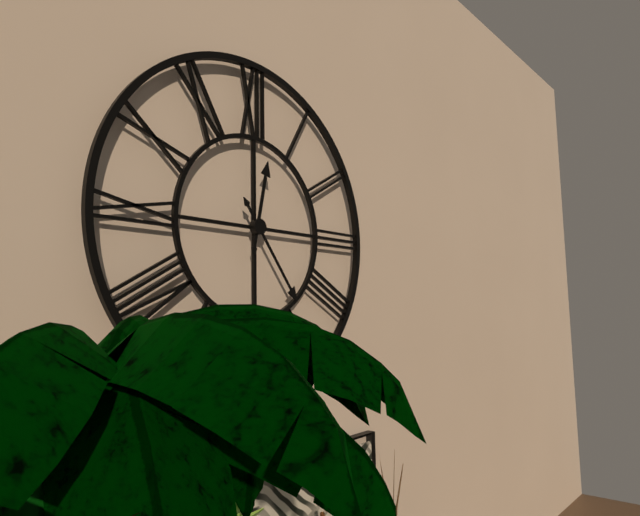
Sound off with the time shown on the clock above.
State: 12:24
